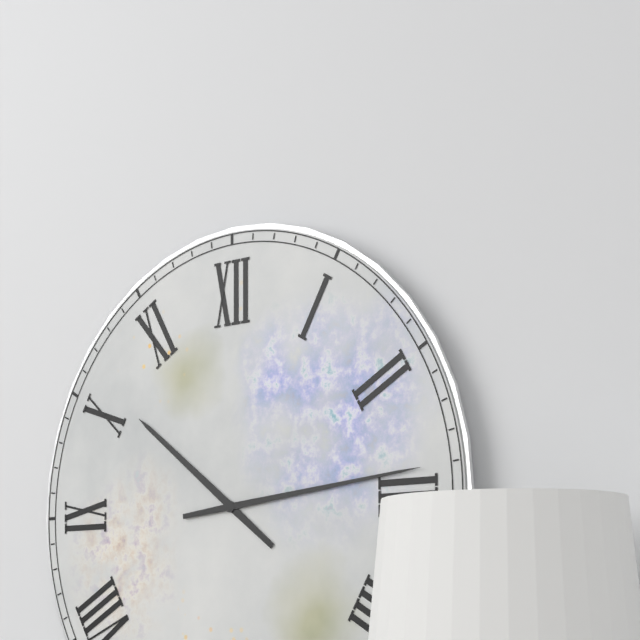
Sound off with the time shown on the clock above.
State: 10:14
